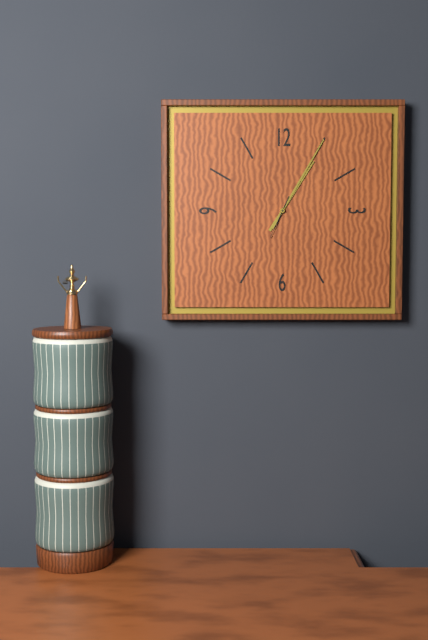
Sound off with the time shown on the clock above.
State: 1:05
